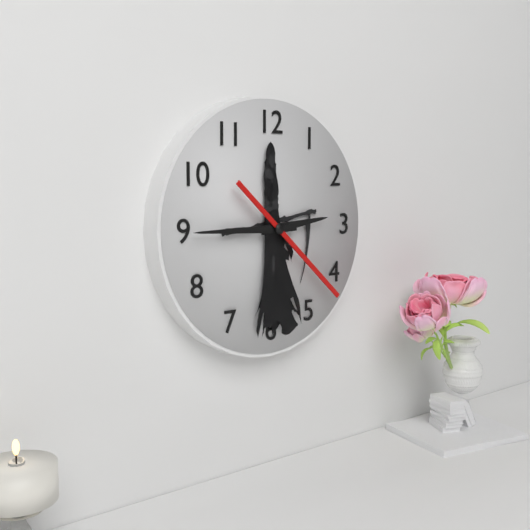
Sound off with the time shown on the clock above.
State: 2:45:22
